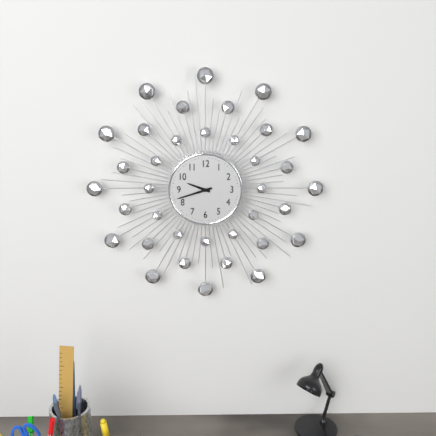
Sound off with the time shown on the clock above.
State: 9:42
